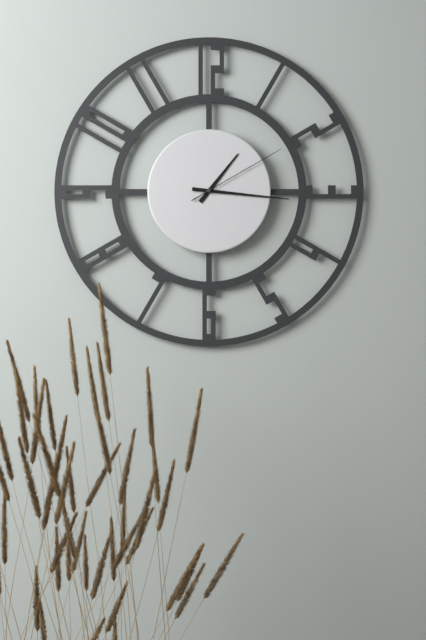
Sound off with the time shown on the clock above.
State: 1:16:10
